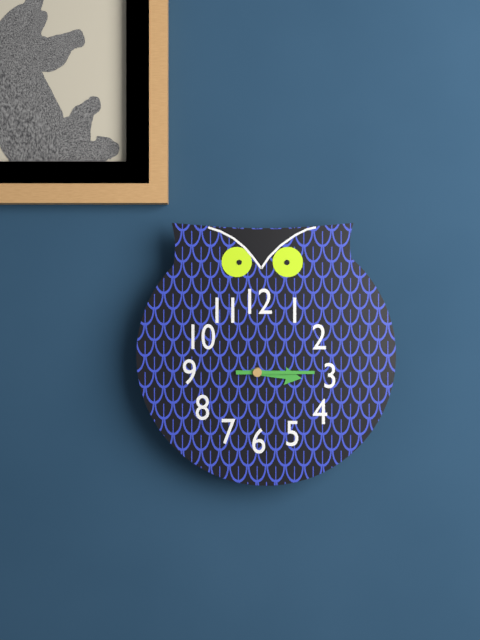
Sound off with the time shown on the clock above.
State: 3:15
